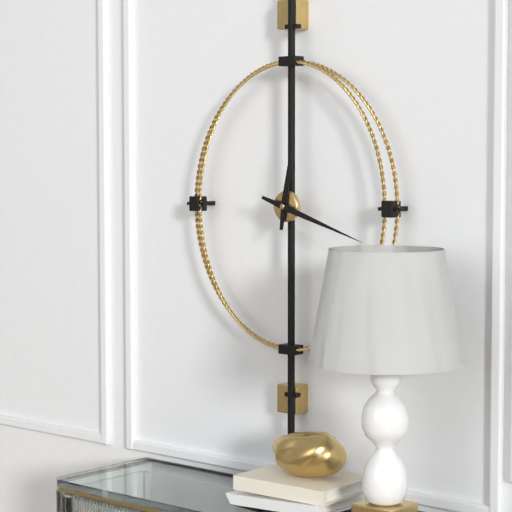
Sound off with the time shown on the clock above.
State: 12:18
